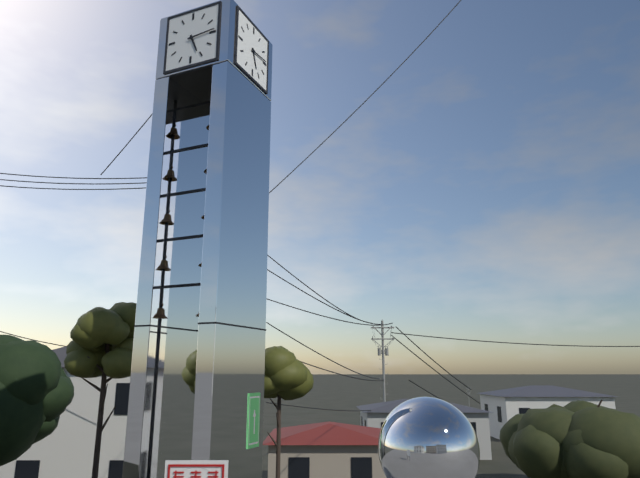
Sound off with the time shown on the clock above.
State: 5:14
